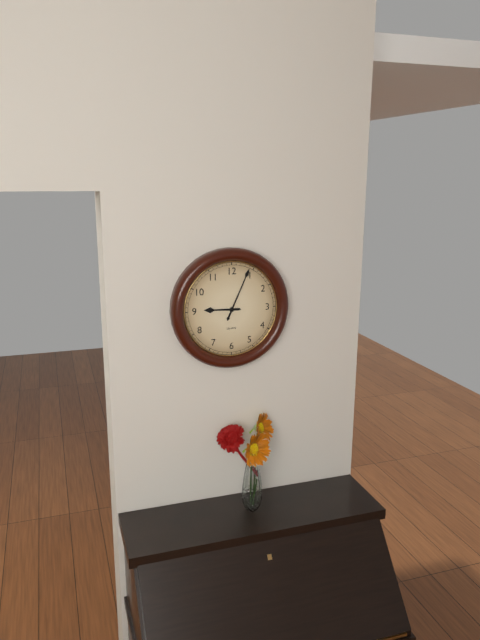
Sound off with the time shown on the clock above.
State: 9:04
